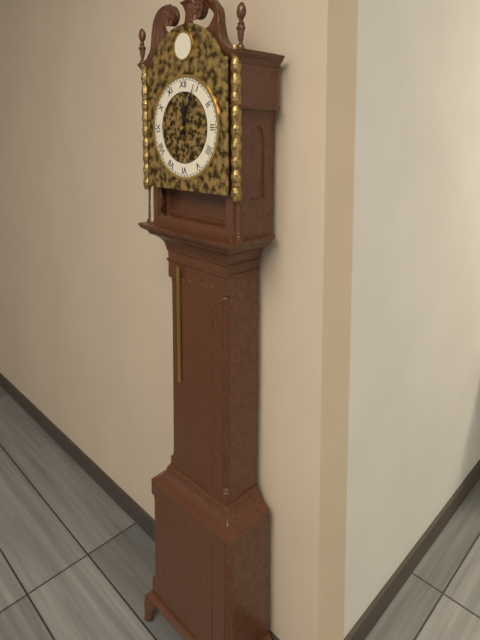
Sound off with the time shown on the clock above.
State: 12:04
